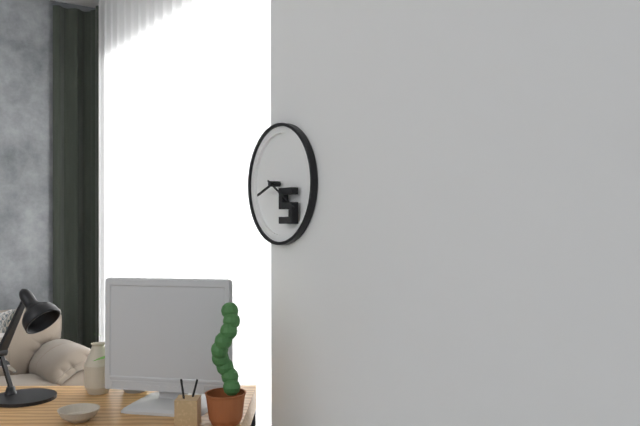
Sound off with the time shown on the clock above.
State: 8:20
